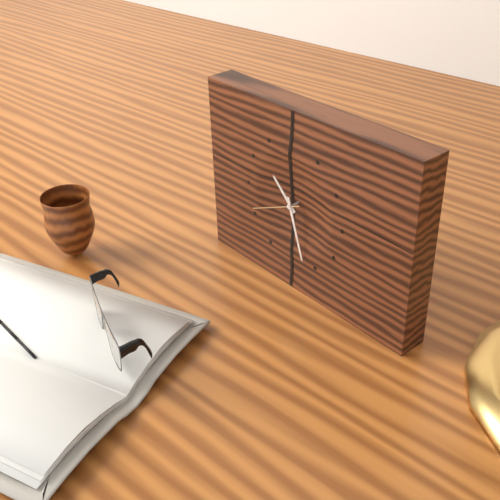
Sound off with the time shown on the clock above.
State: 10:27:41
